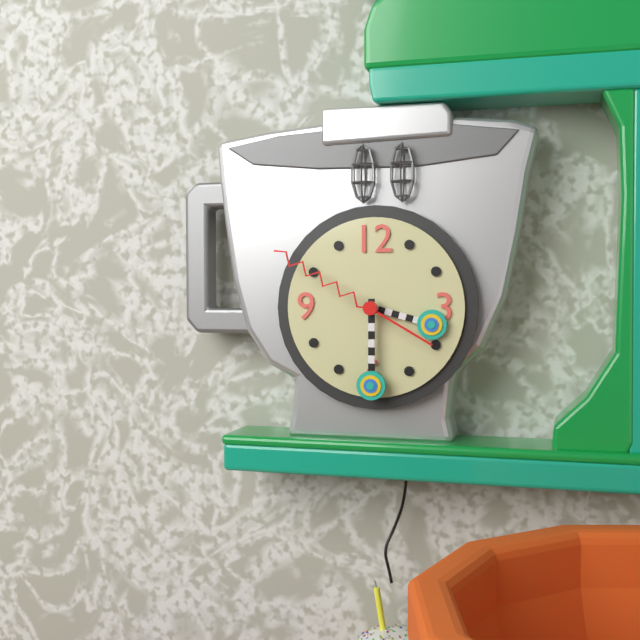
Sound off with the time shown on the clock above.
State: 3:30:50
